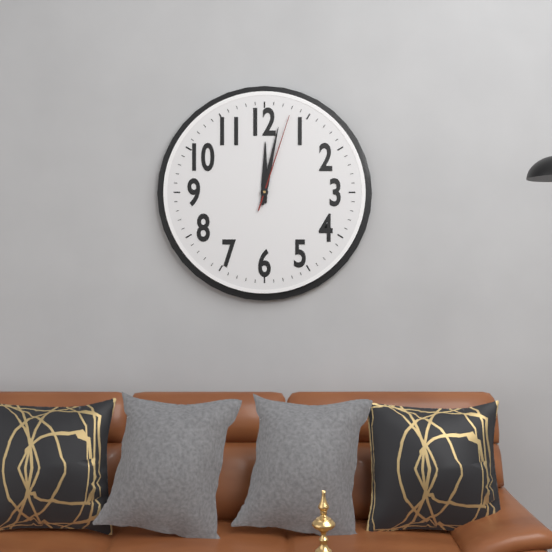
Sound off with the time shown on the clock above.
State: 12:02:03
